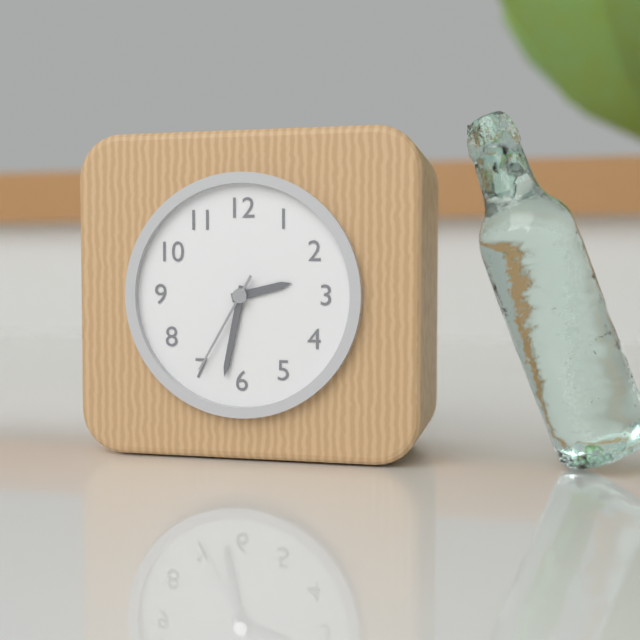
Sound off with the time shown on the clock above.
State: 2:32:35
